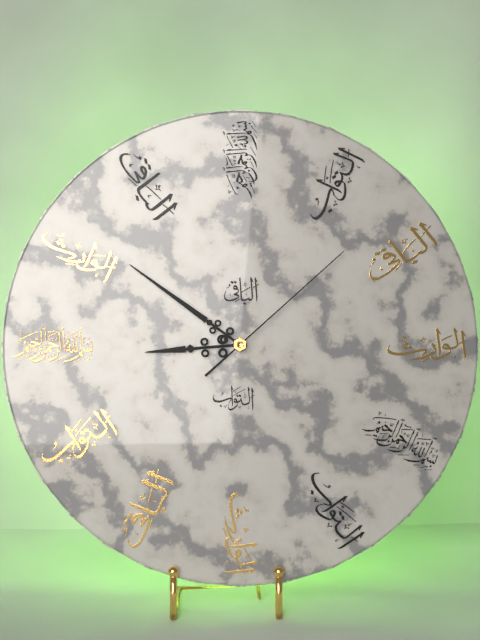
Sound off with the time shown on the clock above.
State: 8:51:08
